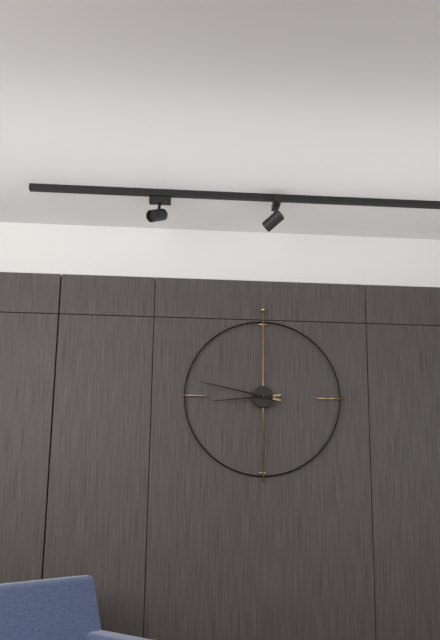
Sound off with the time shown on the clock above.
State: 8:47
